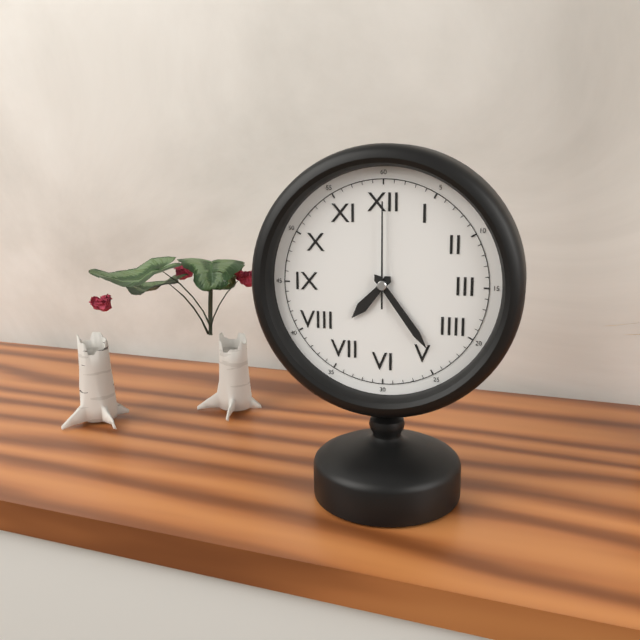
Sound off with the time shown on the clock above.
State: 7:24:00
